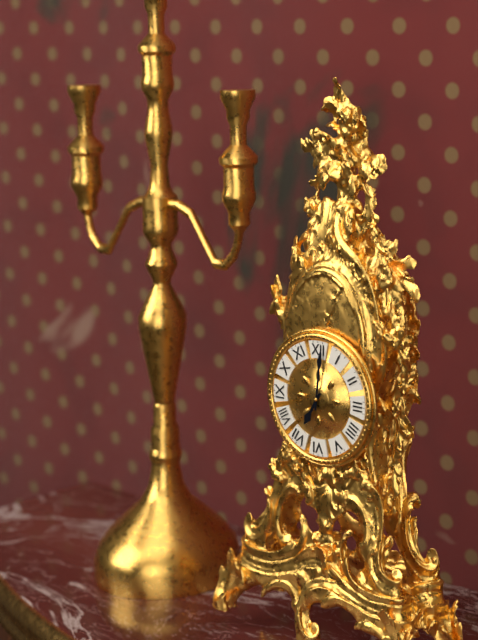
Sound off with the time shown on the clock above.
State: 7:01
